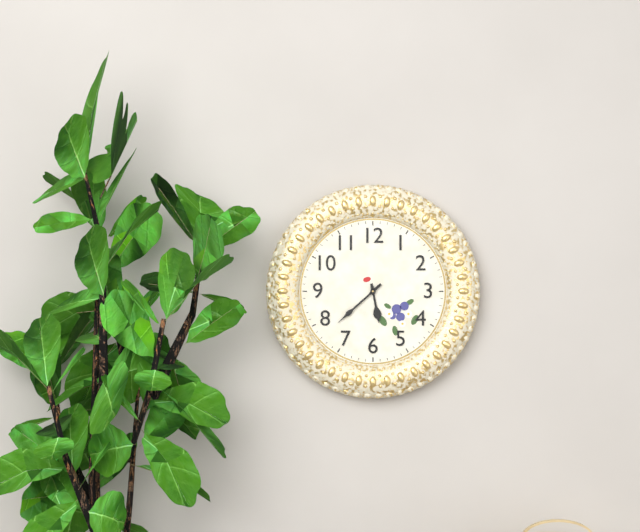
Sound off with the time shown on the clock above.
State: 5:38
